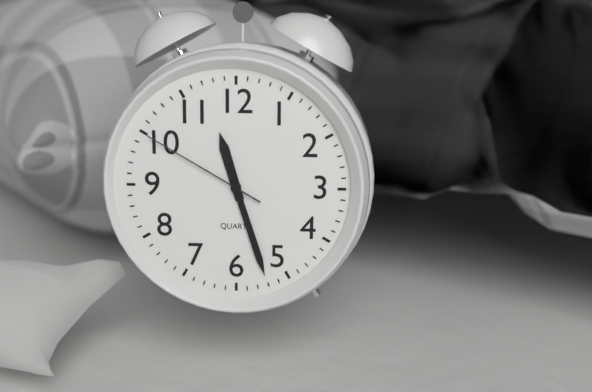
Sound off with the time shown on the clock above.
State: 11:27:50
